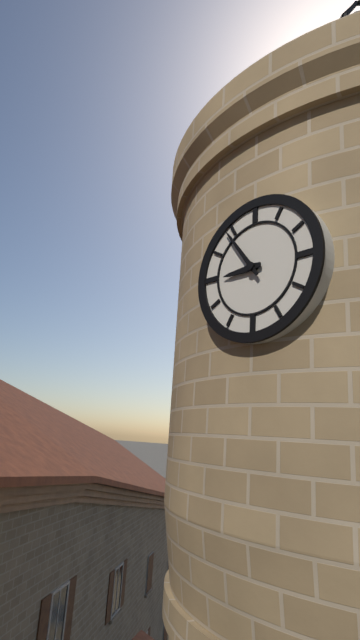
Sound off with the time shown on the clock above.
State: 8:54
